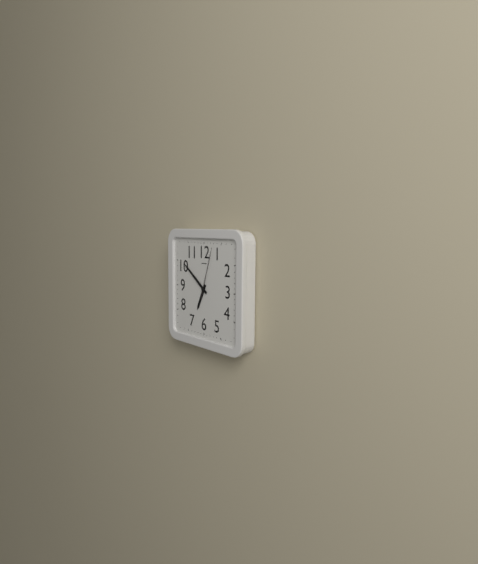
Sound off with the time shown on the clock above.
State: 6:51:03
